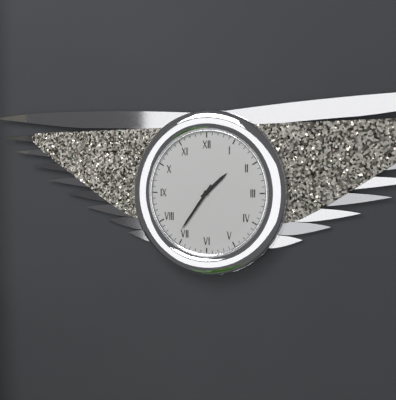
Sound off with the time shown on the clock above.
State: 1:36
